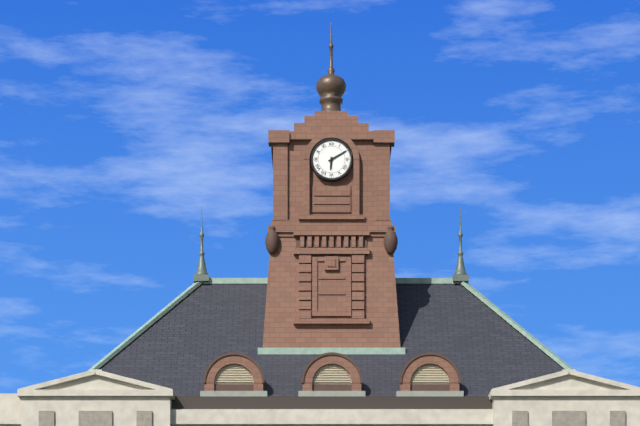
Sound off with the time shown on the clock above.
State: 6:10
